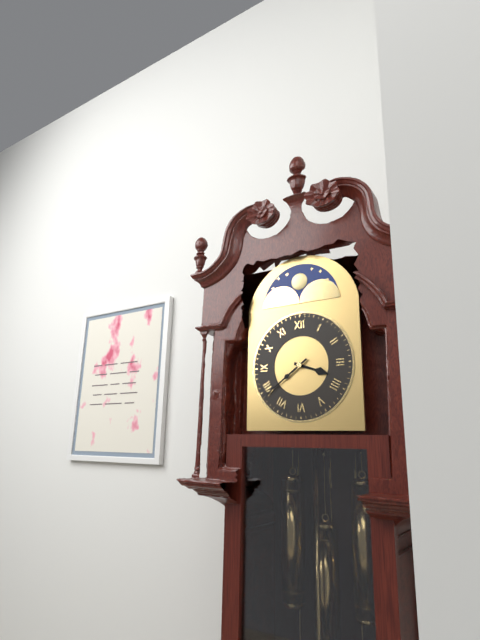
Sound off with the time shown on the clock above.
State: 3:39
